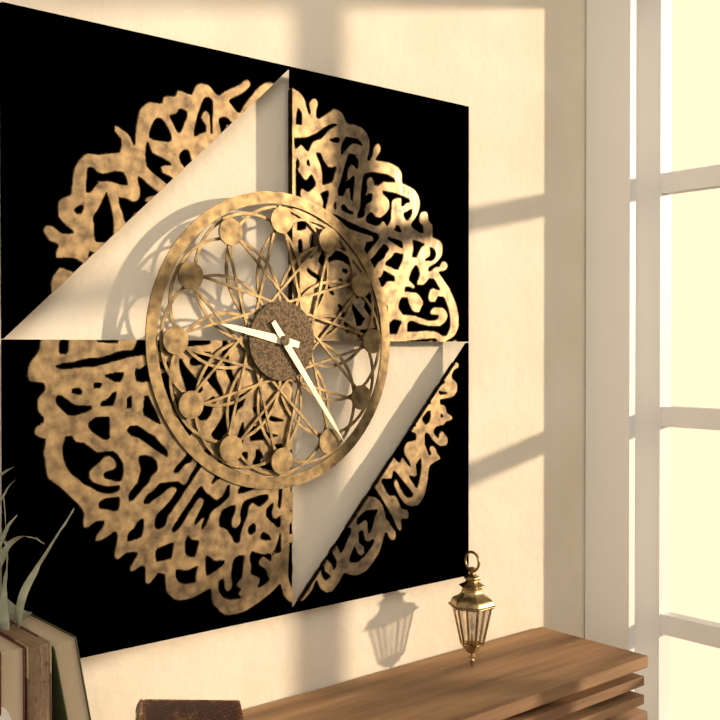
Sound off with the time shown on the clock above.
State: 9:24
